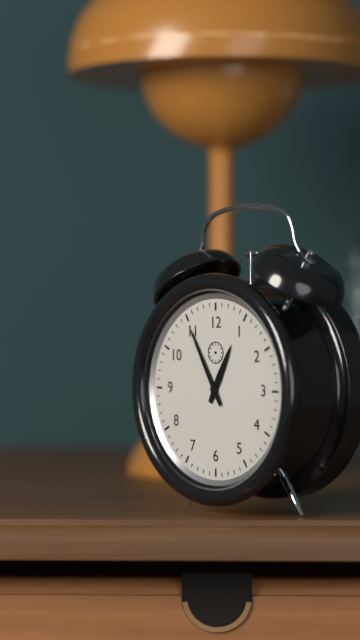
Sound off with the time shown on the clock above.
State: 12:55
